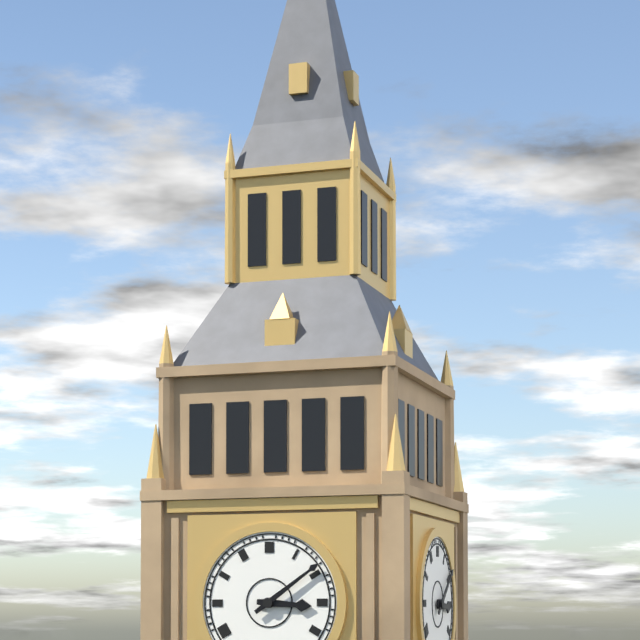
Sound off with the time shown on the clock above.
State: 3:09
